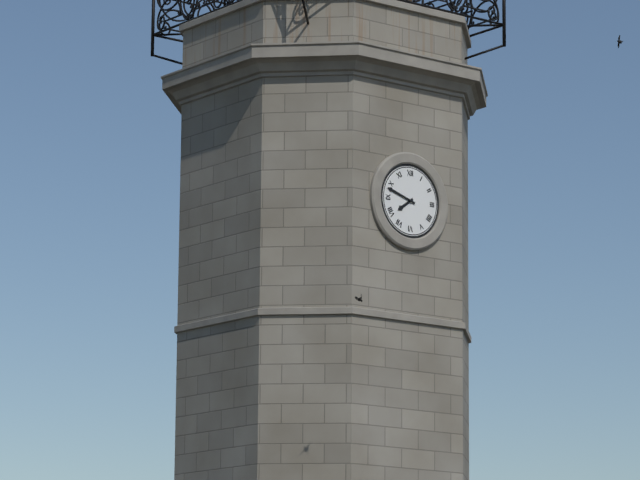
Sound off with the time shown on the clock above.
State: 7:48
